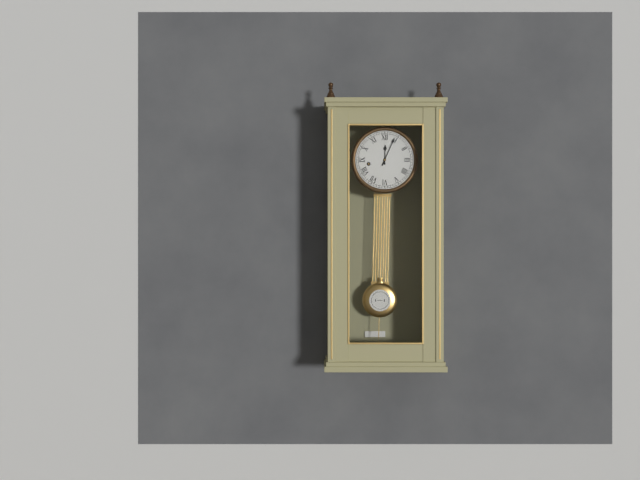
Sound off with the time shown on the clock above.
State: 12:04
